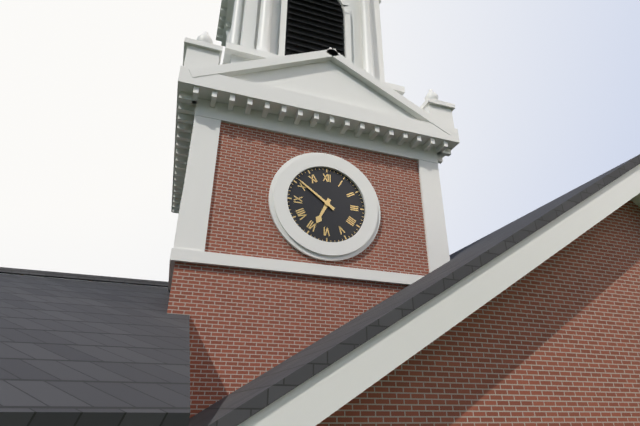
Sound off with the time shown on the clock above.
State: 6:51
